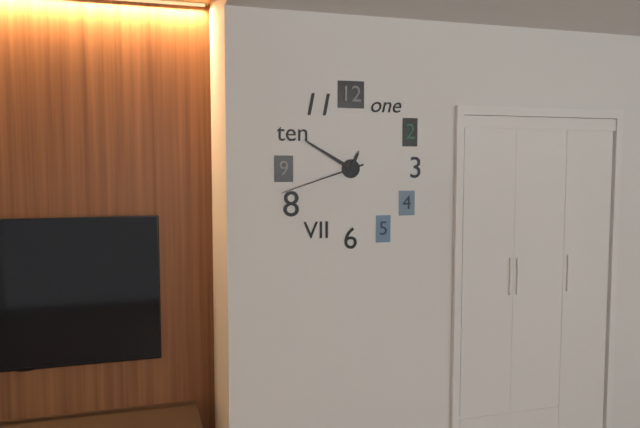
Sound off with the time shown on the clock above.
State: 12:50:42
